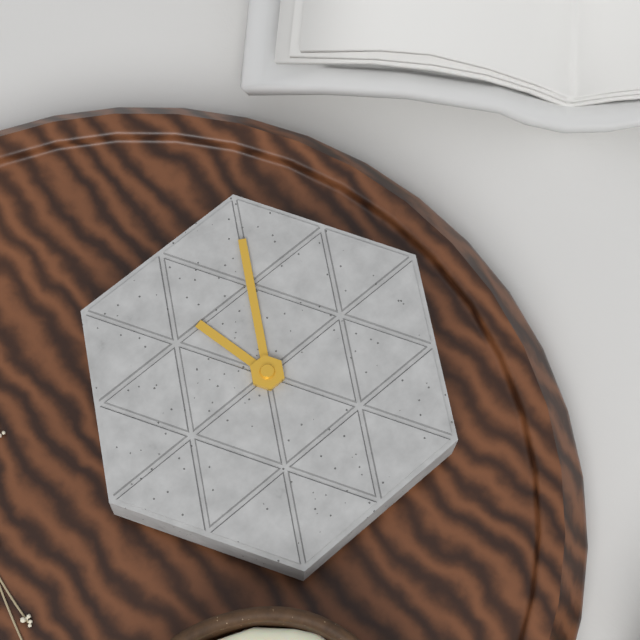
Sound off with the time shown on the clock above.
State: 5:35
